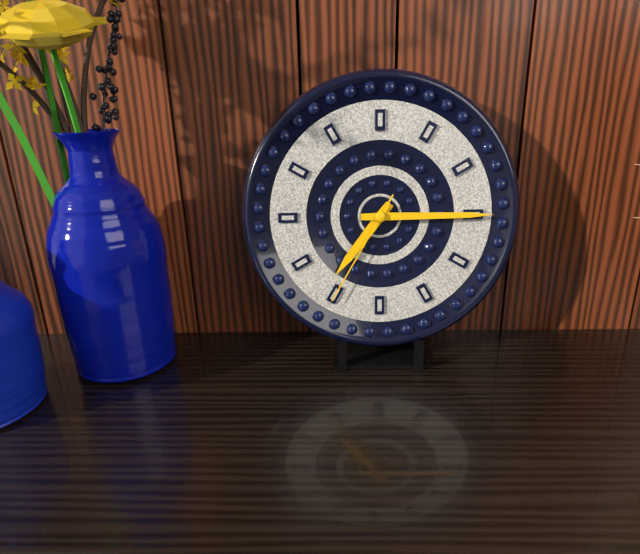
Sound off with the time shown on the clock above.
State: 7:15:35
